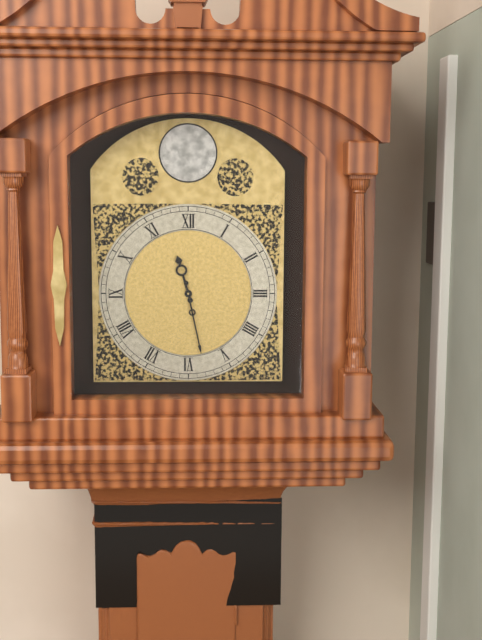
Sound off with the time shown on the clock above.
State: 11:28
